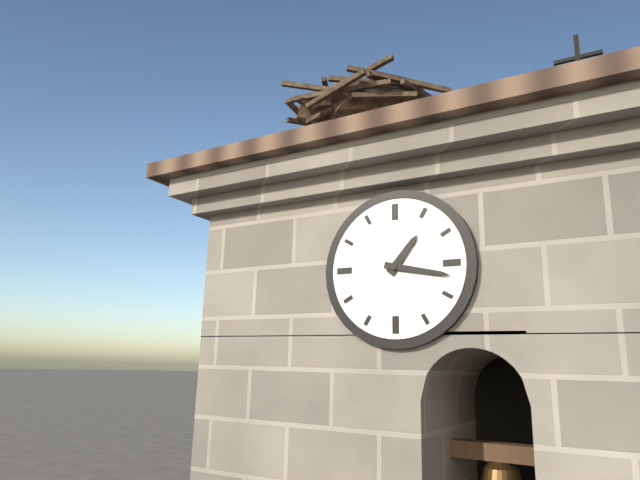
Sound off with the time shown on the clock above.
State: 1:17
